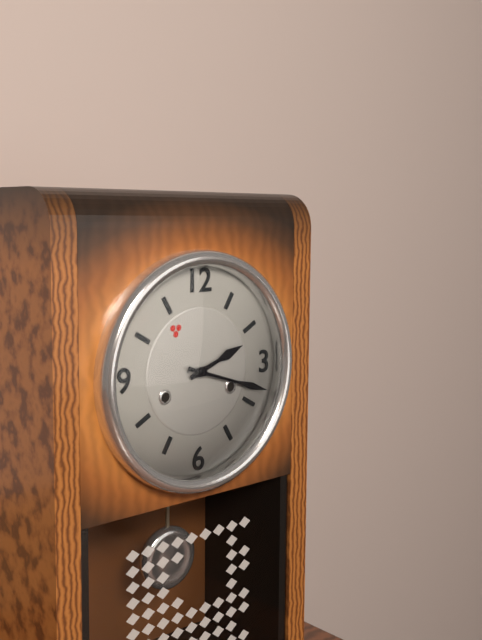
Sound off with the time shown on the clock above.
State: 2:18
